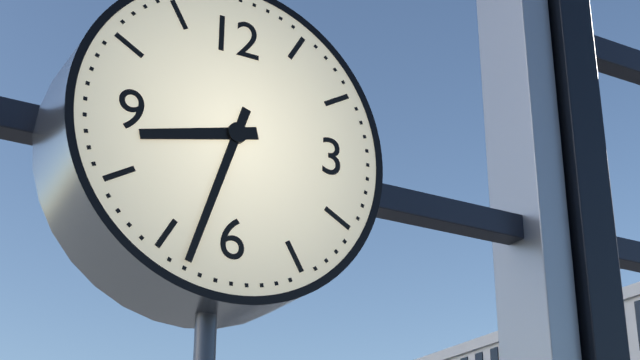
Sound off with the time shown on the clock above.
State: 8:33
